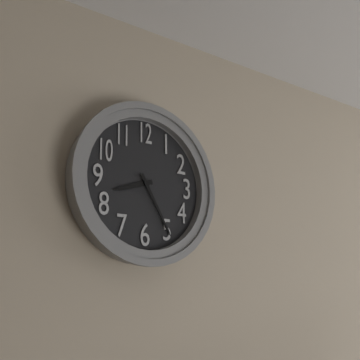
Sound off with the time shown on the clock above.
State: 8:25
